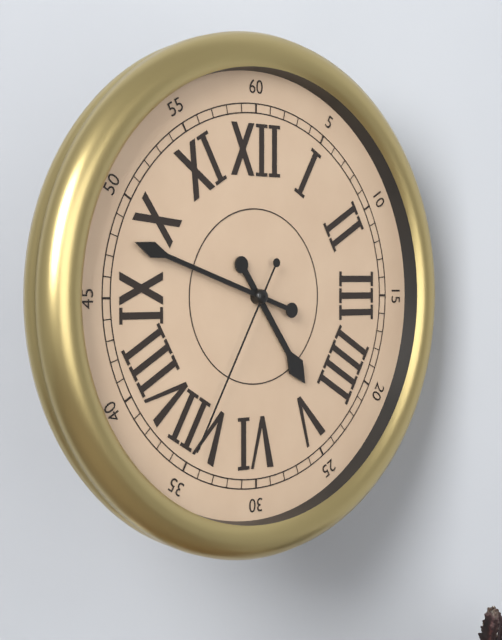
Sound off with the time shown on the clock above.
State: 4:48:35
